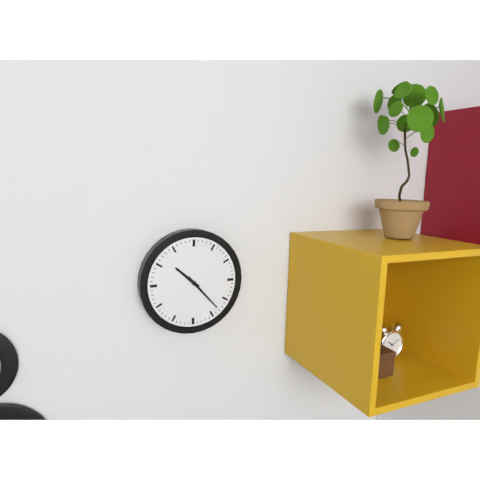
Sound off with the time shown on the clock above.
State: 10:23
